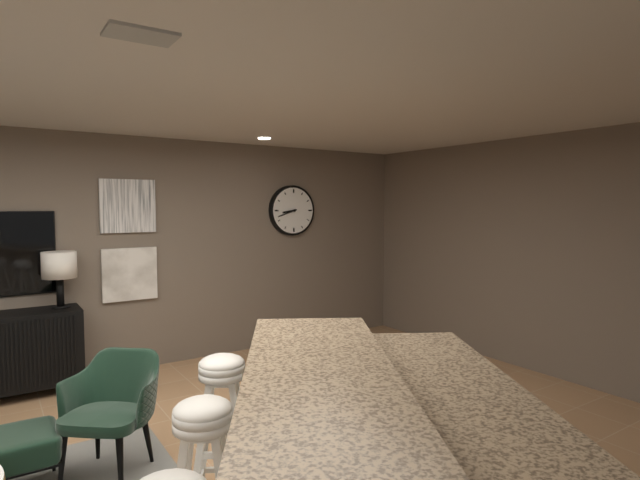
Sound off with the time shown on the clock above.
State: 8:42
